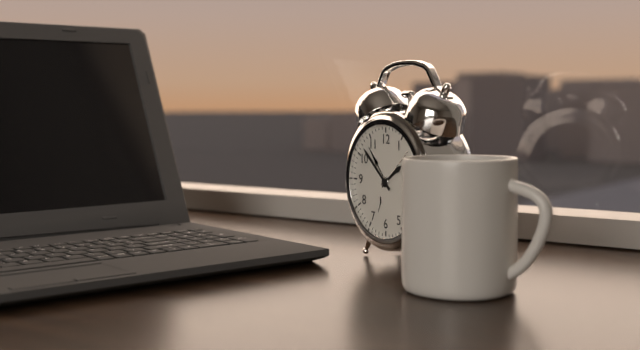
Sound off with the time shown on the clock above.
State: 1:52
